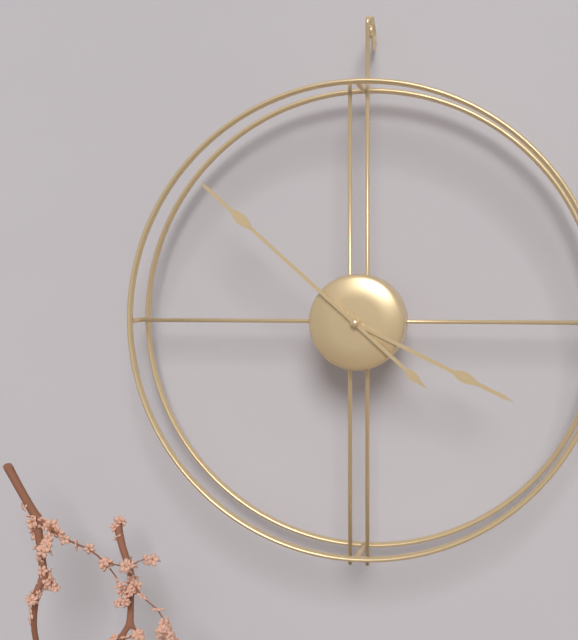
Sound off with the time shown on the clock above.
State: 3:52
